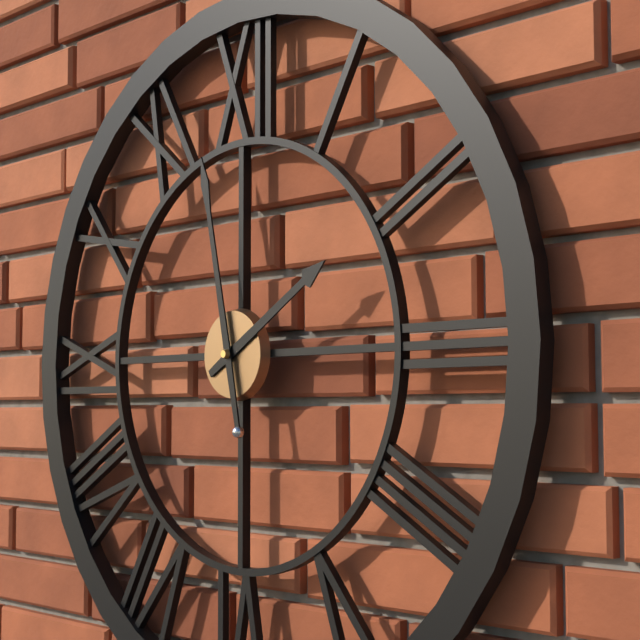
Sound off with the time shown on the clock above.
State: 1:58
